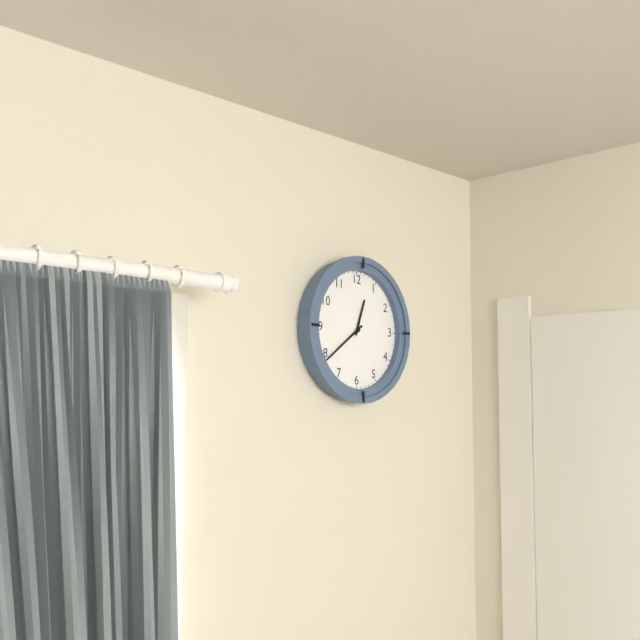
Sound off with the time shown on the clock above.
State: 12:39
